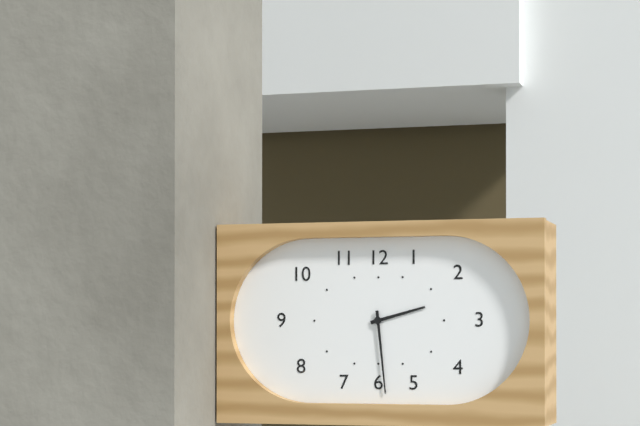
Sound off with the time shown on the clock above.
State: 2:29
